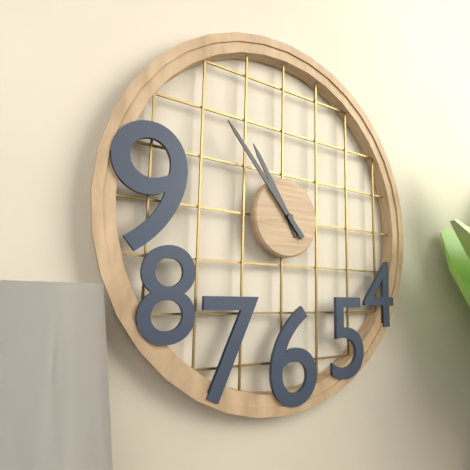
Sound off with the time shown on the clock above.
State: 10:53
